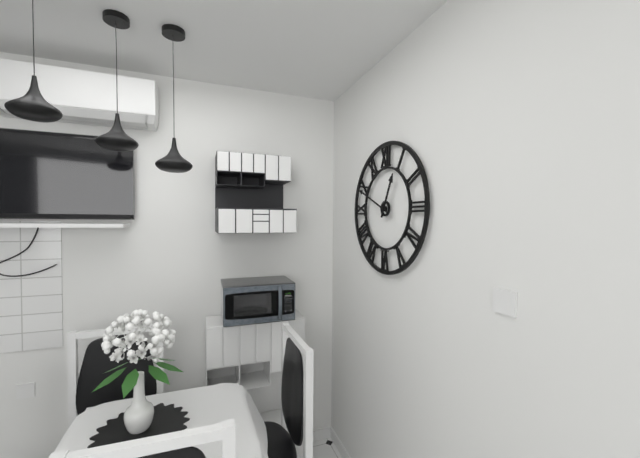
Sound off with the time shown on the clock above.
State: 12:49
